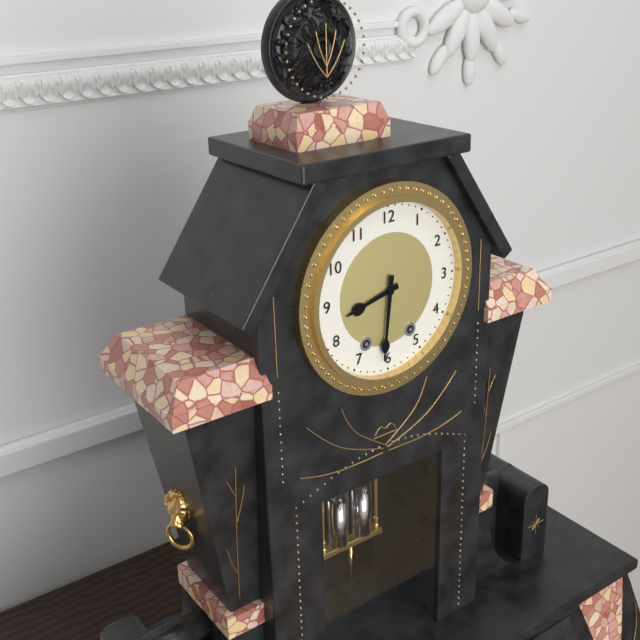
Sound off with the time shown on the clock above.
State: 8:31
